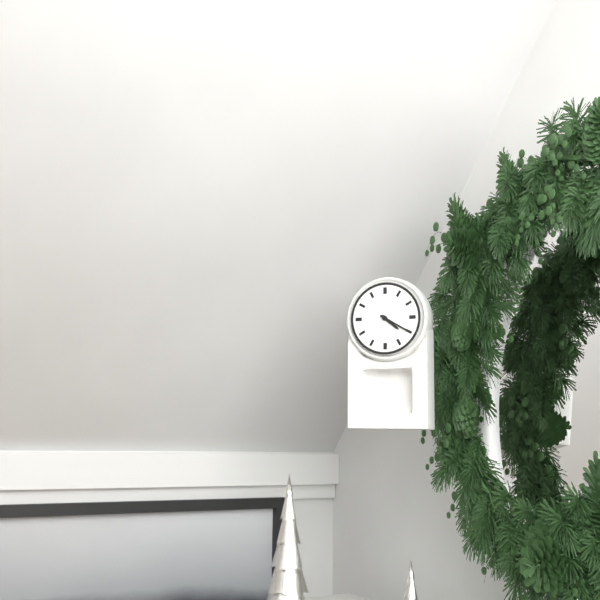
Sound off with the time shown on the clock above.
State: 4:20
